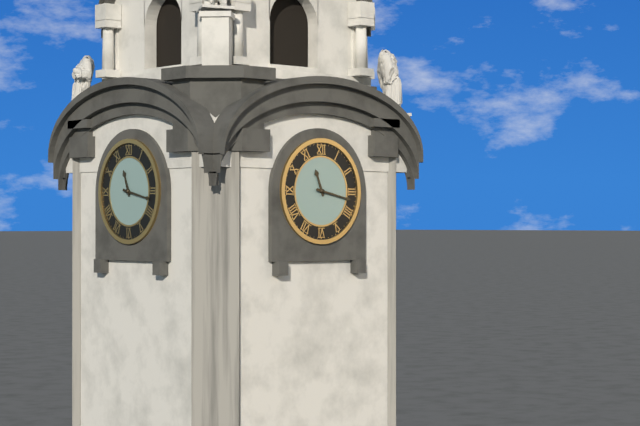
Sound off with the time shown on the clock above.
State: 11:17
